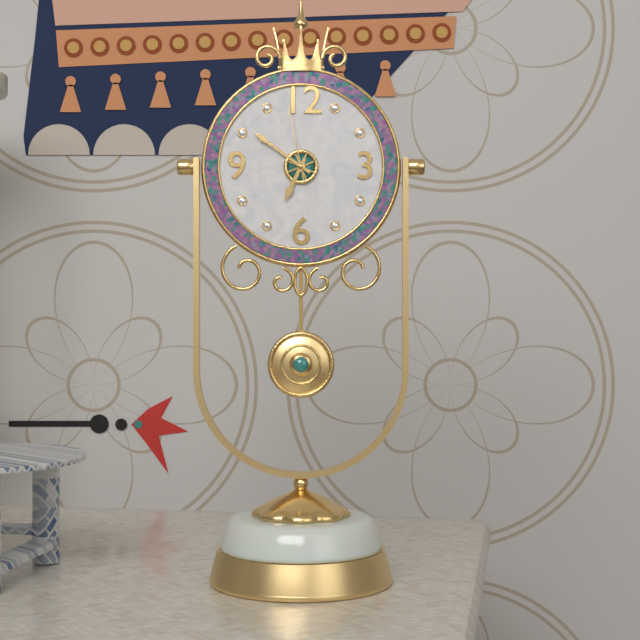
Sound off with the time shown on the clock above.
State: 6:51:58
